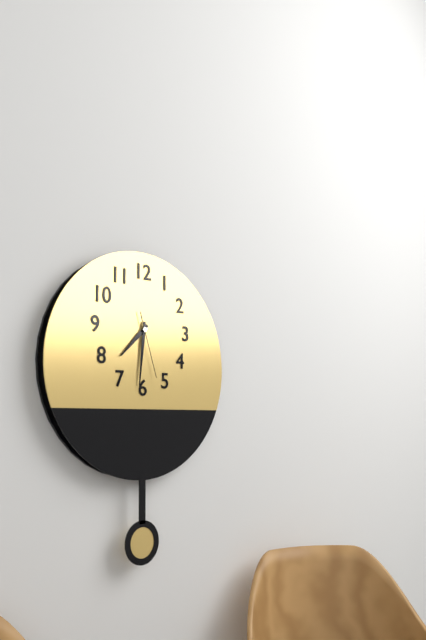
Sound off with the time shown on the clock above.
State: 7:31:27
